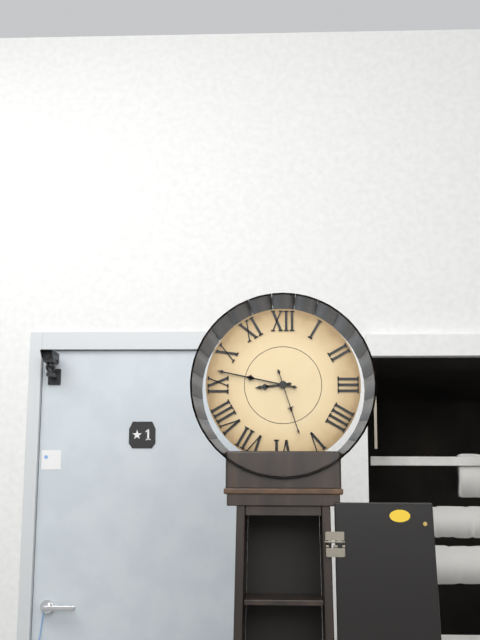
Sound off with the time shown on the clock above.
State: 8:47:27
